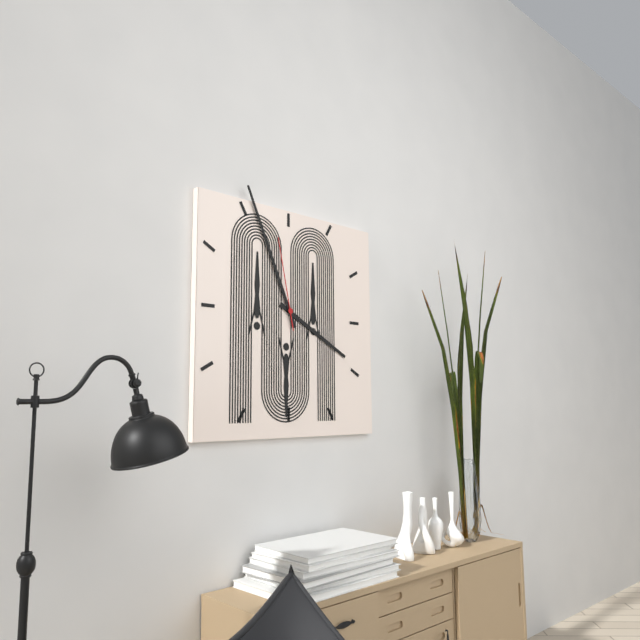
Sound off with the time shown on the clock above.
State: 3:56:58
